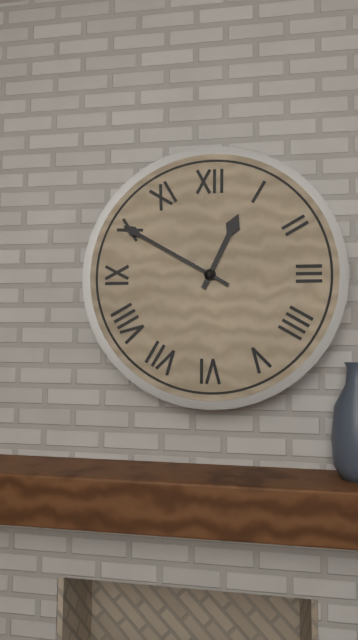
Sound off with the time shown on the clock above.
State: 12:50
